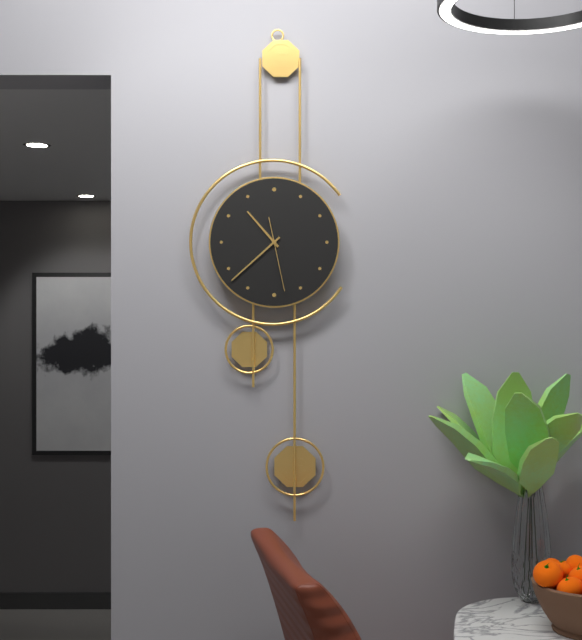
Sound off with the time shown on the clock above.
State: 10:38:28
